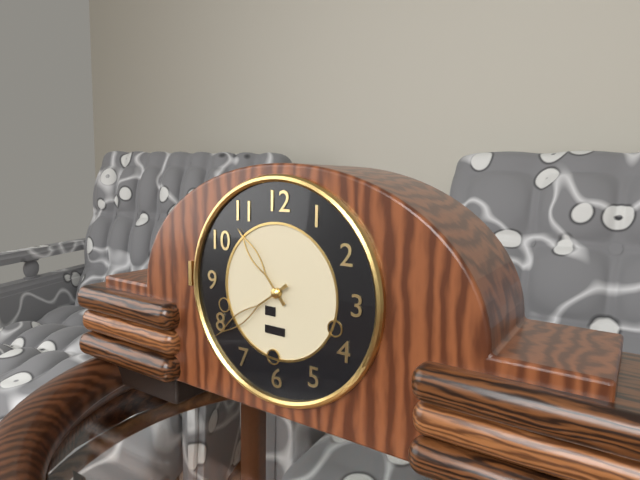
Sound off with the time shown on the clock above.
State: 10:39
